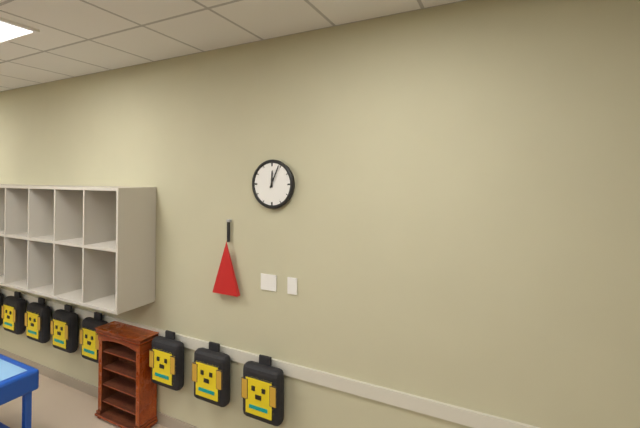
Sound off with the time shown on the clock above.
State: 12:04
